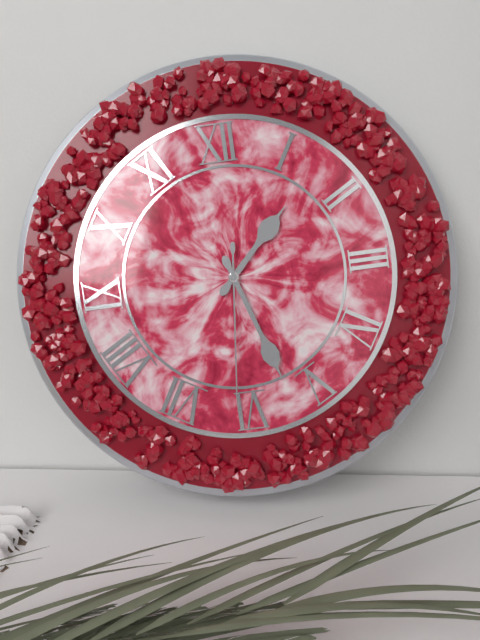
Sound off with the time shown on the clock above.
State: 1:27:31
